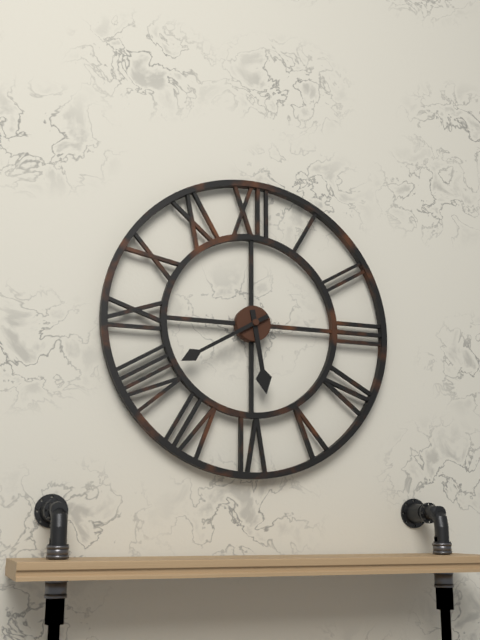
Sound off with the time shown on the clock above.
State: 5:40
